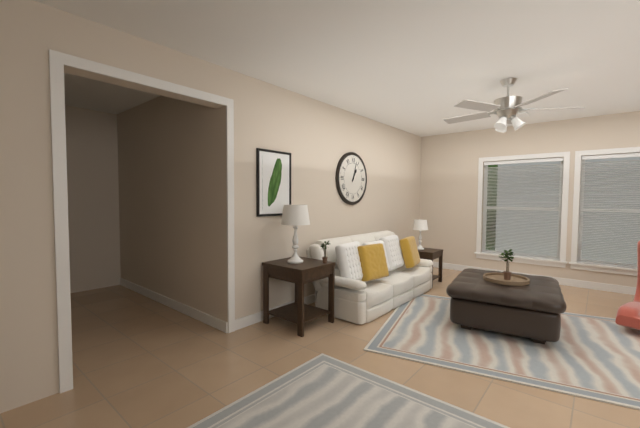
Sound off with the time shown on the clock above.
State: 1:03
